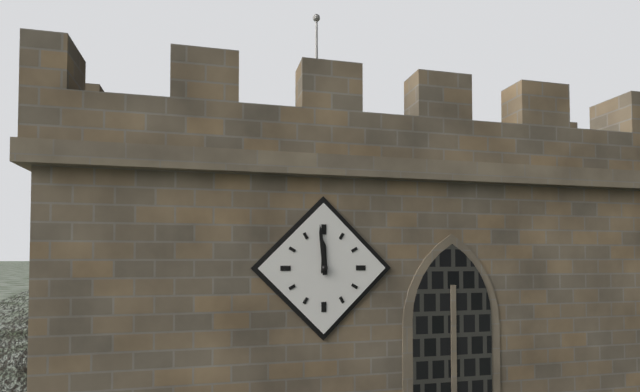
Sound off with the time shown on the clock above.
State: 11:59
